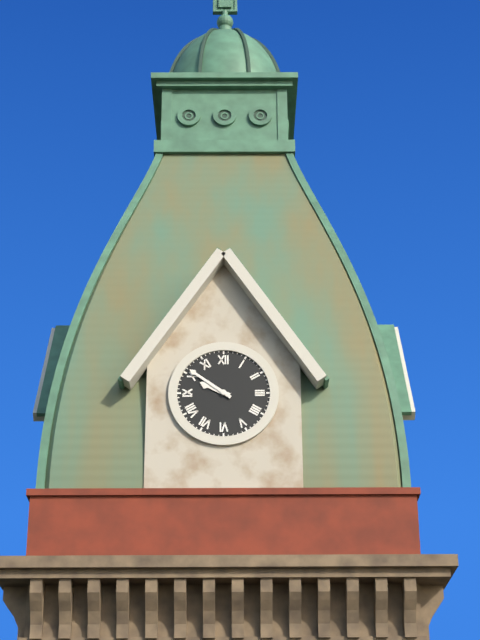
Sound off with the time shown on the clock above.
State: 9:51
